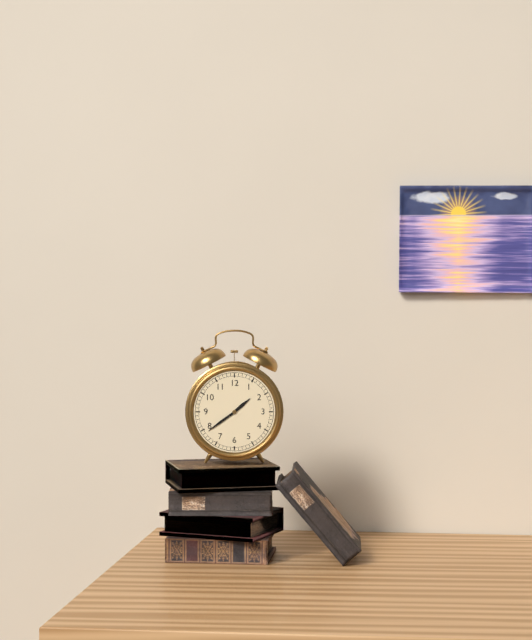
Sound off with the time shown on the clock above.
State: 1:39
